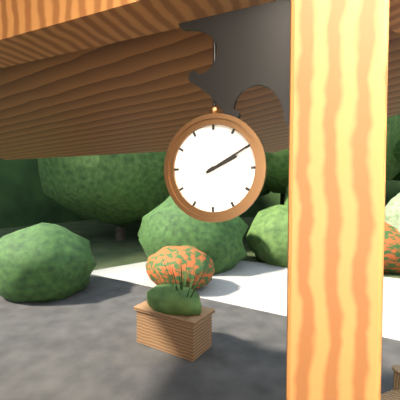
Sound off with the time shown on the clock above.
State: 2:10
